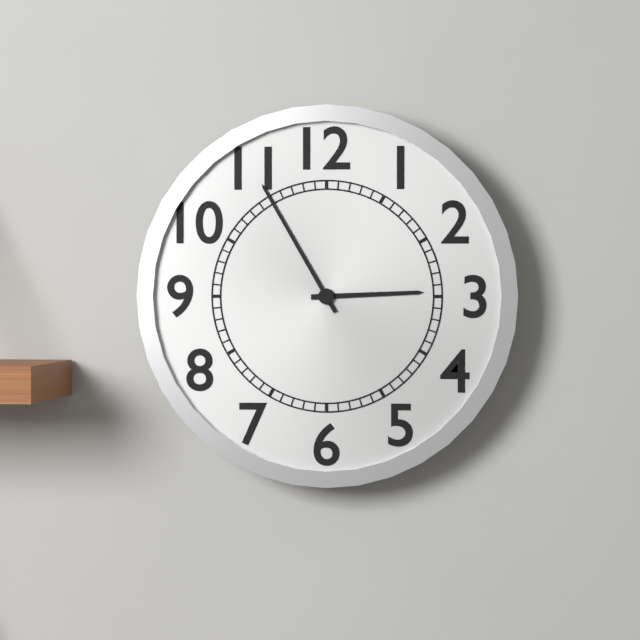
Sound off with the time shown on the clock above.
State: 2:55
